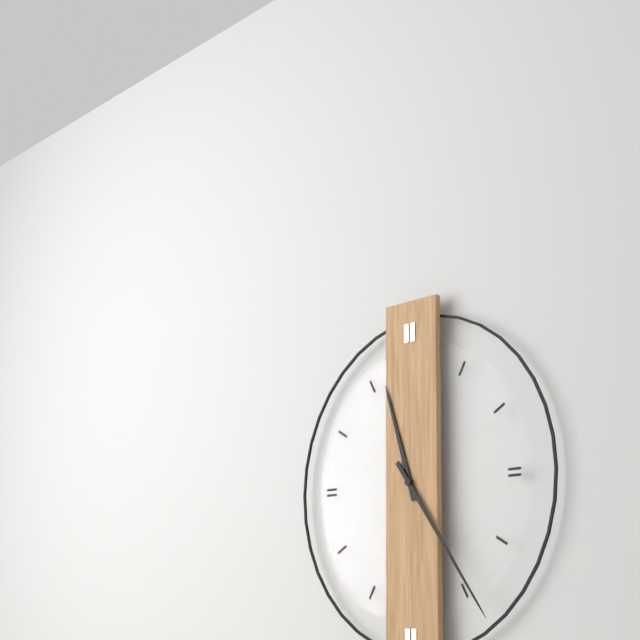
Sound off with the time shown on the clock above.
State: 11:24
